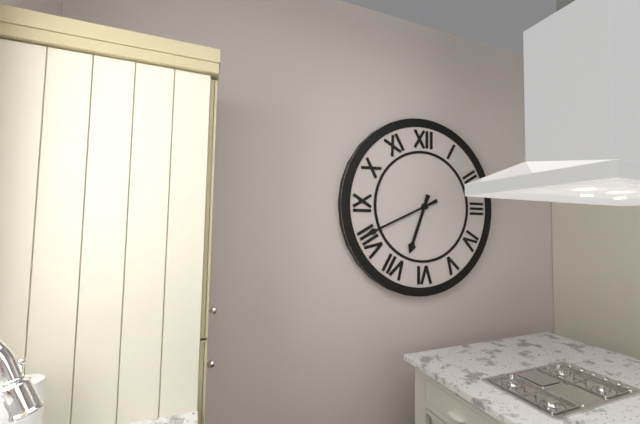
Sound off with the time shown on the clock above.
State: 6:41
